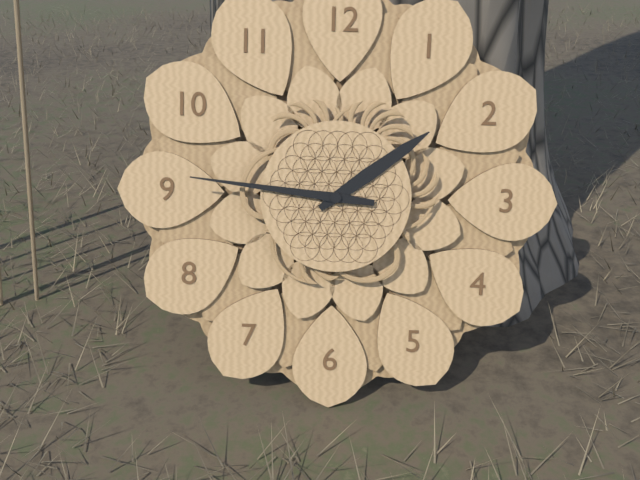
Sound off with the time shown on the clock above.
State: 1:46
